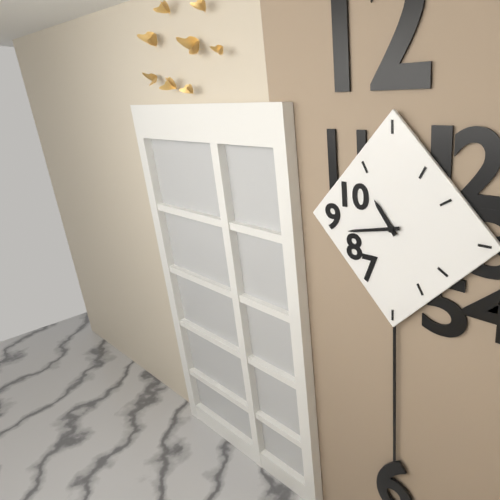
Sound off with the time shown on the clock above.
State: 10:43
